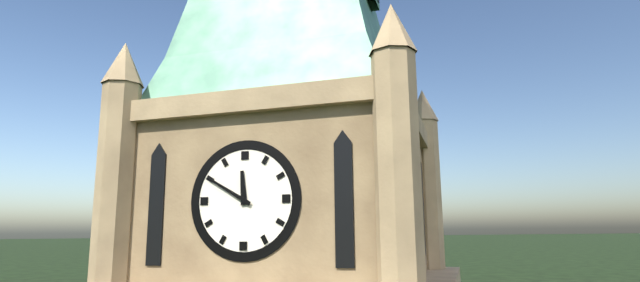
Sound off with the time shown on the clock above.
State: 11:50
